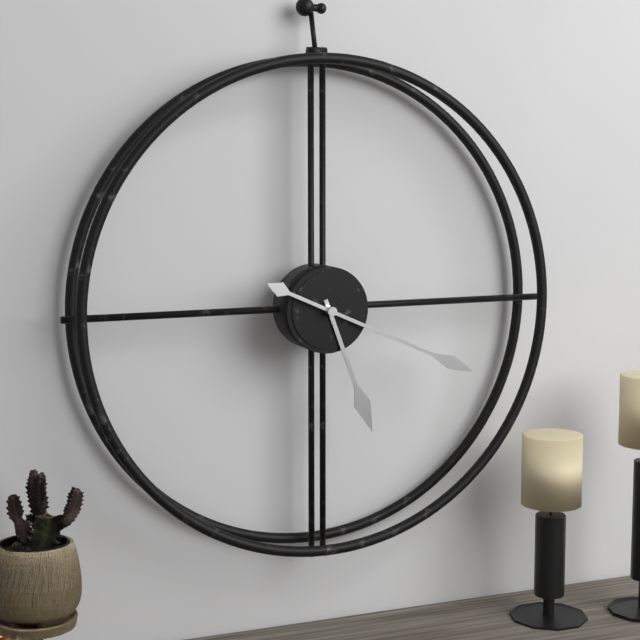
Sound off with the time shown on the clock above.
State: 5:19
